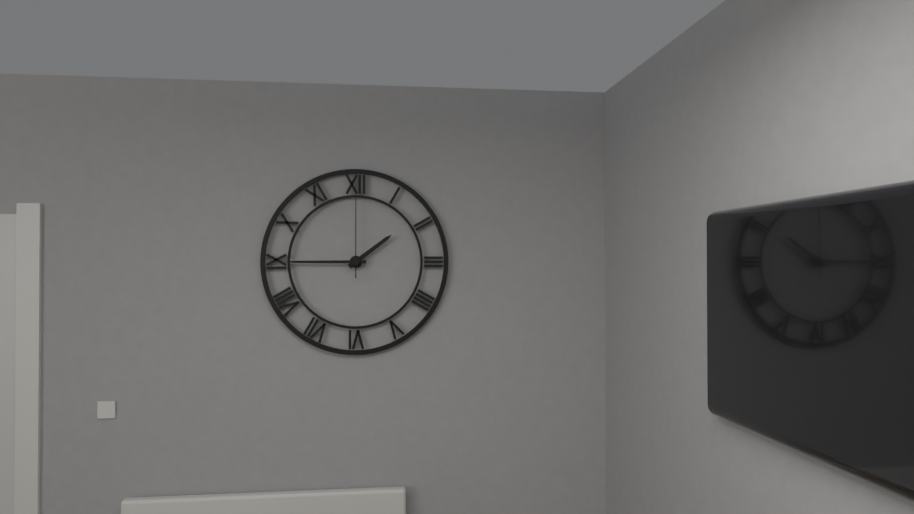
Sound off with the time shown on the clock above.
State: 1:45:00
